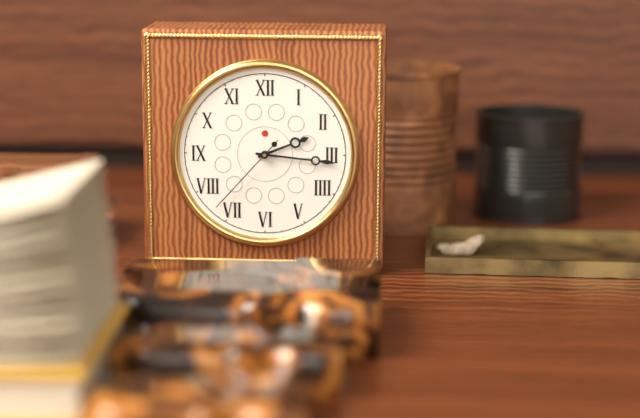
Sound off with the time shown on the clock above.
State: 2:16:37
